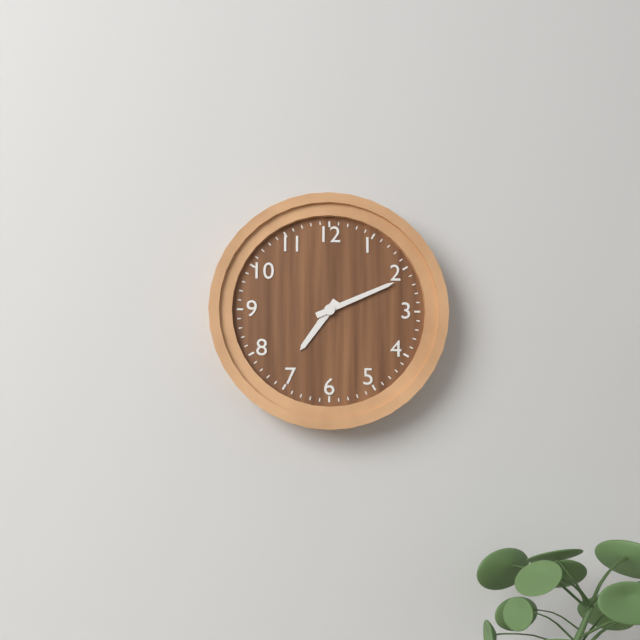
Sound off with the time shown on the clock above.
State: 7:11
